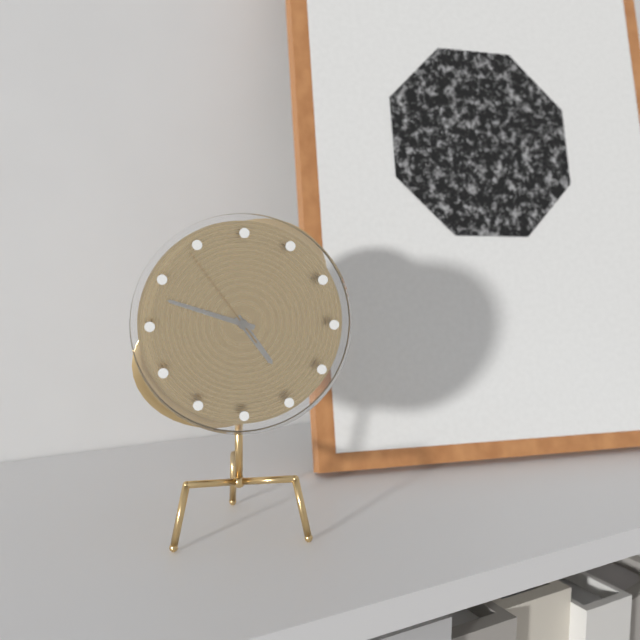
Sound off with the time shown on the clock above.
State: 4:48:54
